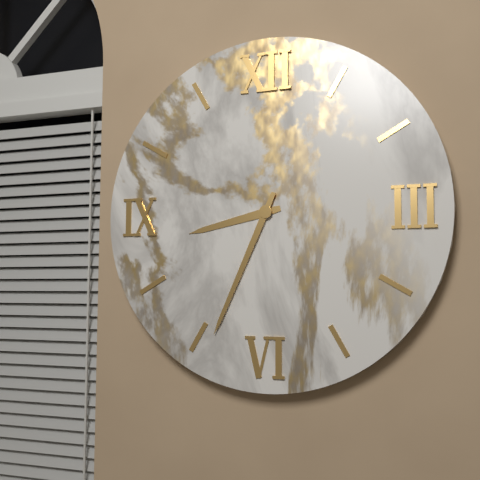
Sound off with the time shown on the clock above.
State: 8:34
